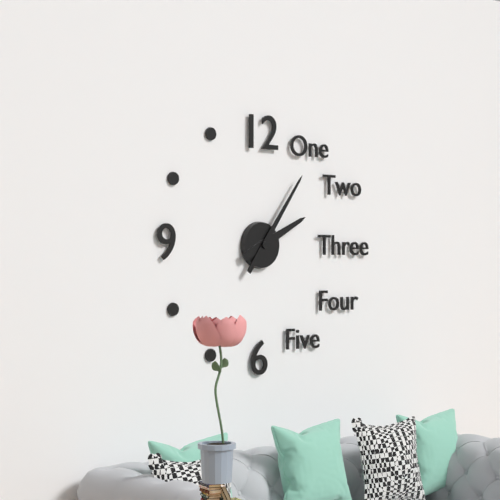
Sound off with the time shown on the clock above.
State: 2:06
